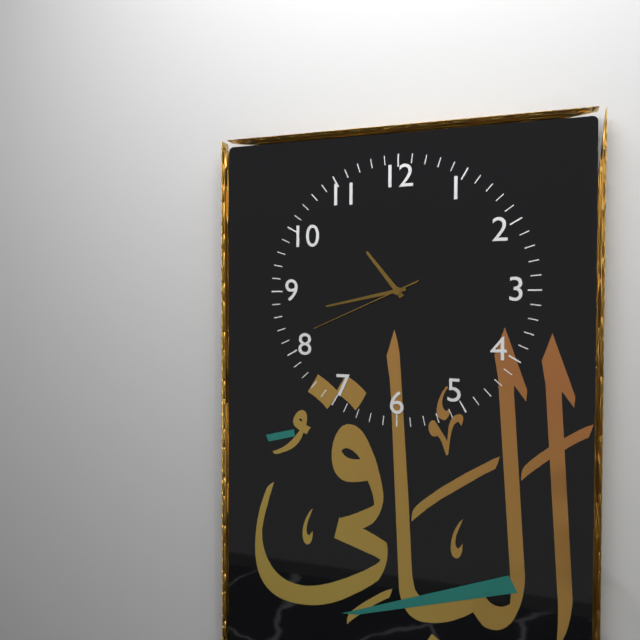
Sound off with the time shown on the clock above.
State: 10:43:41
